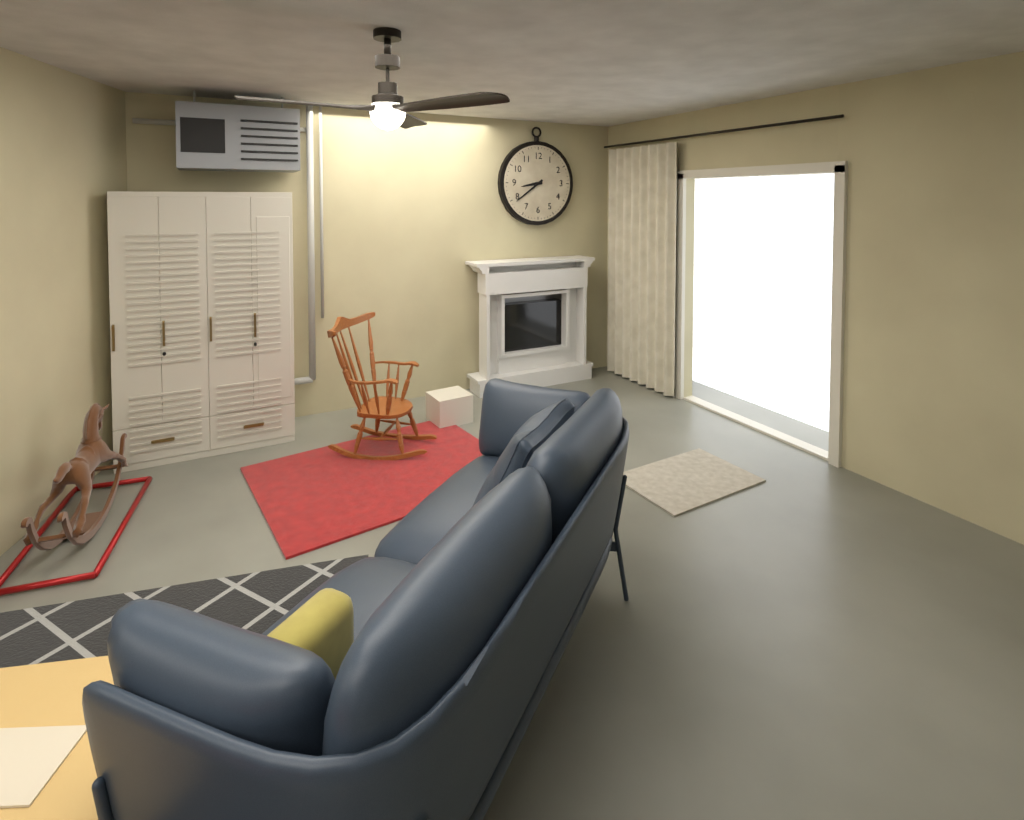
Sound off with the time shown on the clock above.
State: 8:39
